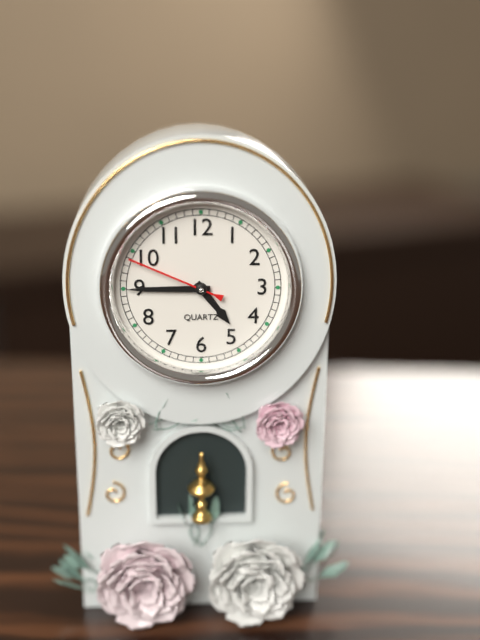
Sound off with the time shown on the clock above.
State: 4:45:49
